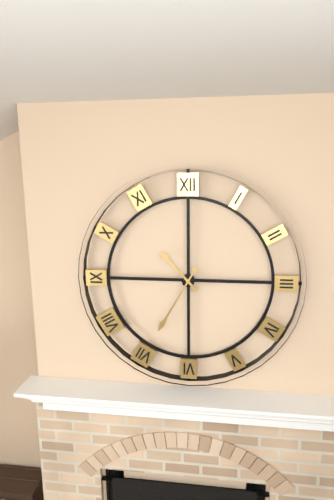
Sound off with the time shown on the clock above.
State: 10:35
